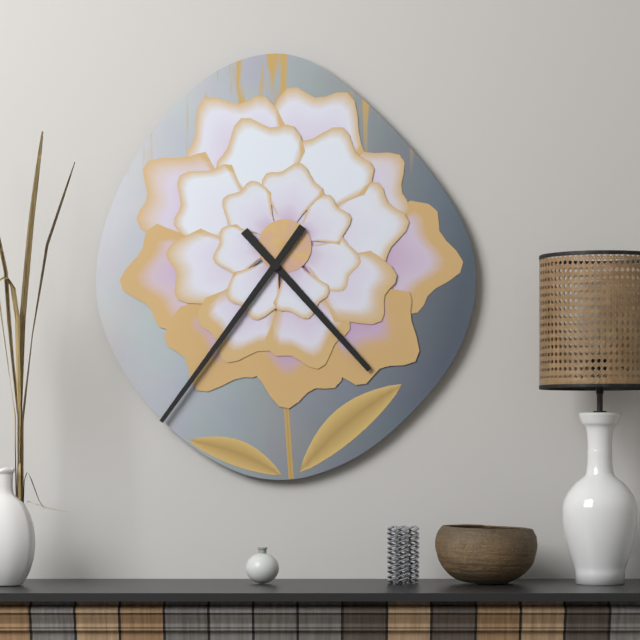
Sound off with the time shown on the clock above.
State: 4:36
